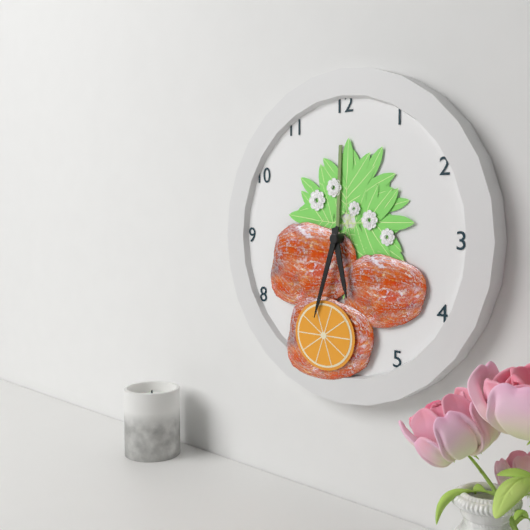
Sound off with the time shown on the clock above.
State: 5:33
